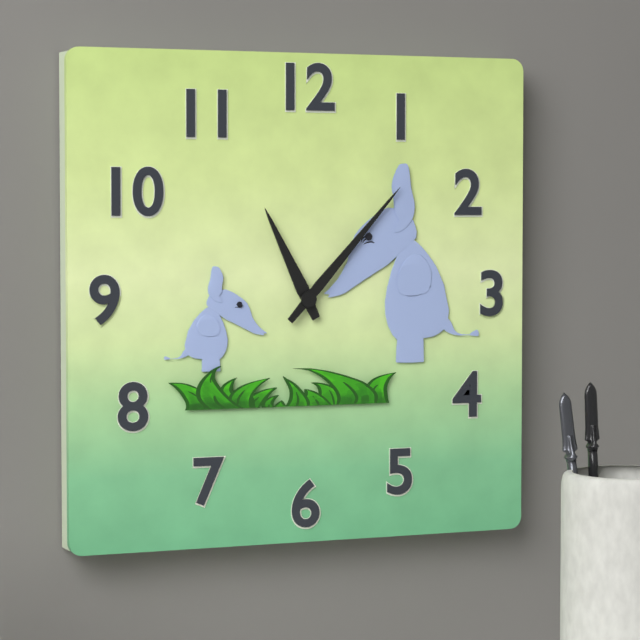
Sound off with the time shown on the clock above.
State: 11:07
